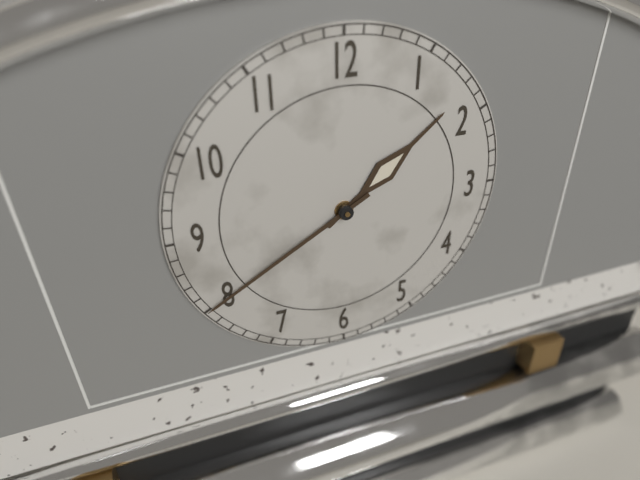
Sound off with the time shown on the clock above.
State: 1:40
